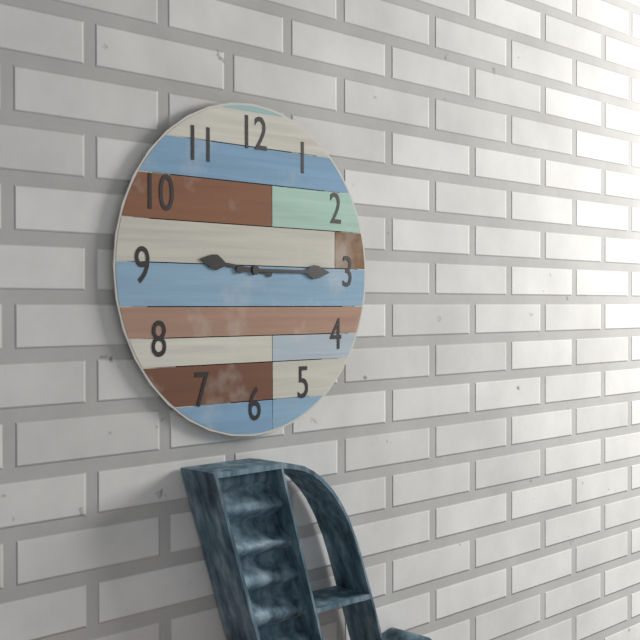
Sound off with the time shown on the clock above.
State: 9:15
